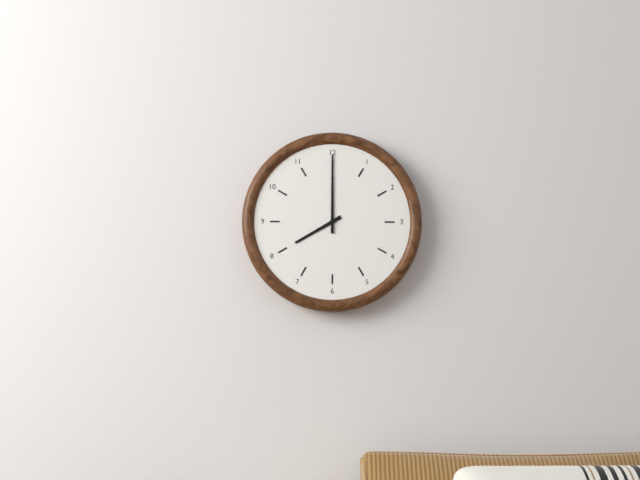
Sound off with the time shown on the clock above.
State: 8:00
